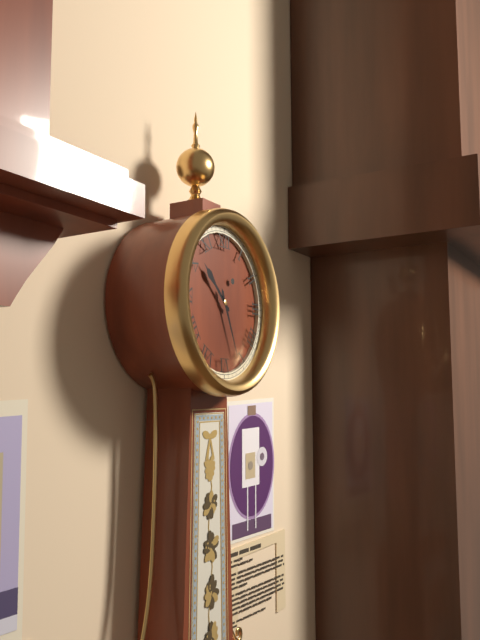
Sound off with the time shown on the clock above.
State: 10:26
